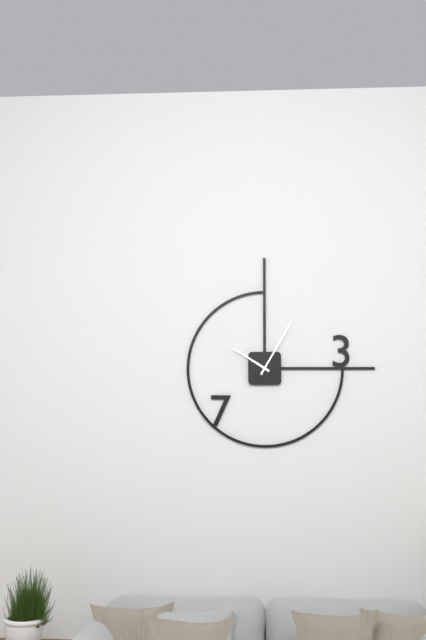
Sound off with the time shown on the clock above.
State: 10:05
